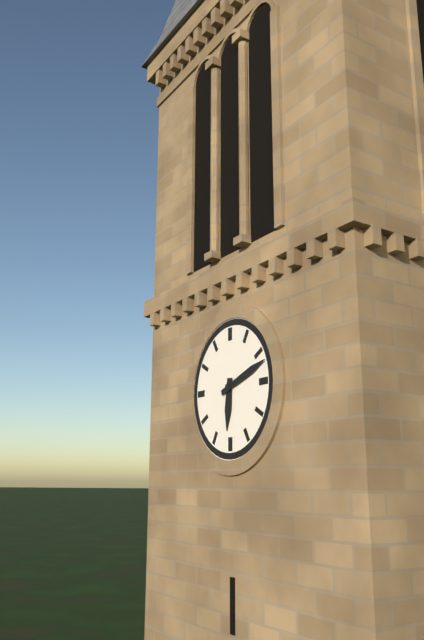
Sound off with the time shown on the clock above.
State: 6:12
